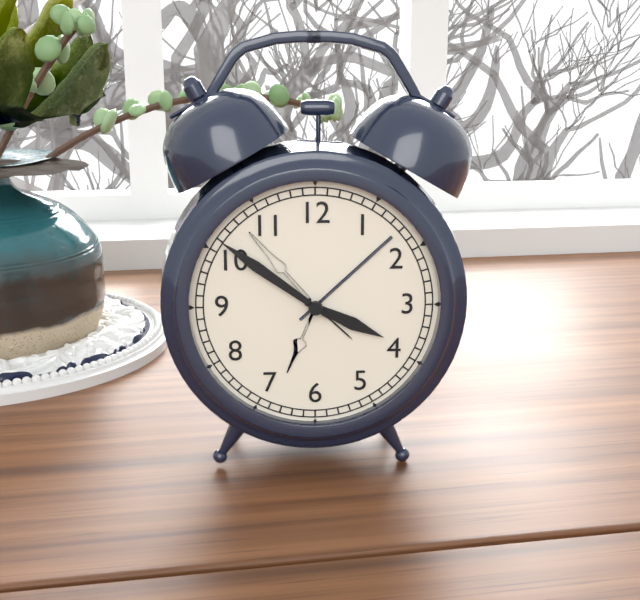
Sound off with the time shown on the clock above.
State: 3:51
